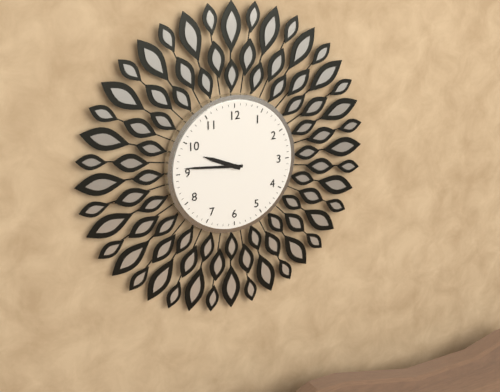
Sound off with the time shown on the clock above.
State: 9:46
